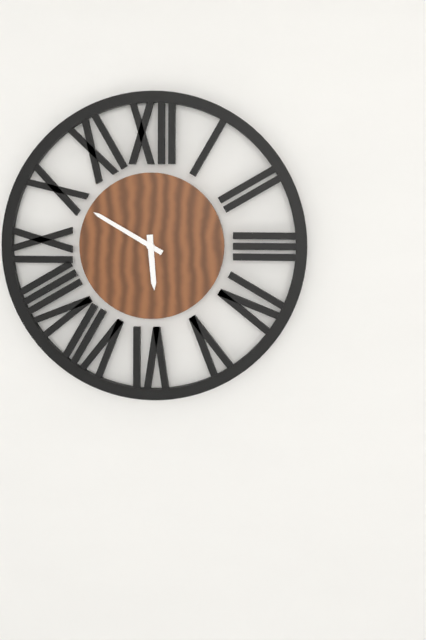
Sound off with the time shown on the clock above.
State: 5:50
